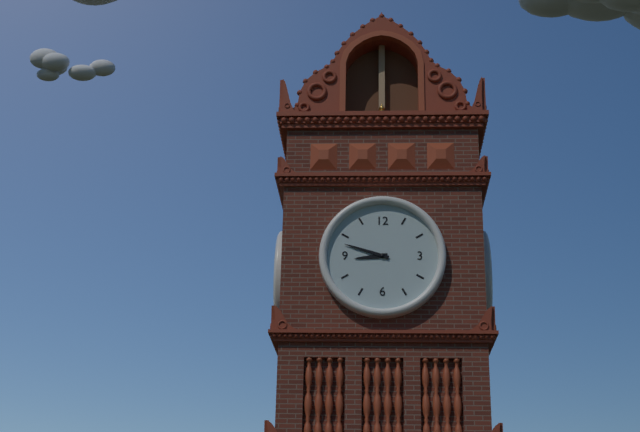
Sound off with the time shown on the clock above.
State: 8:48
